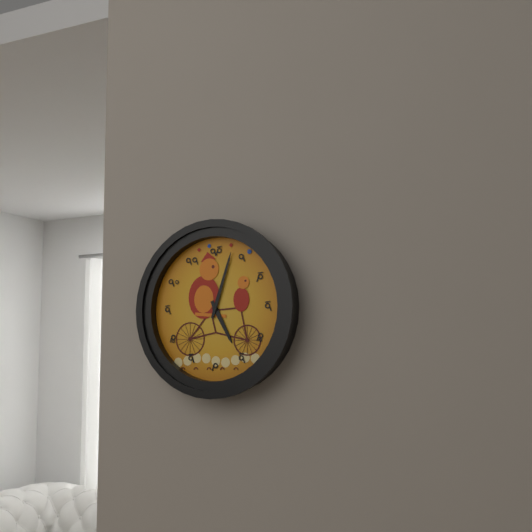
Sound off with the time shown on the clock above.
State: 5:03
